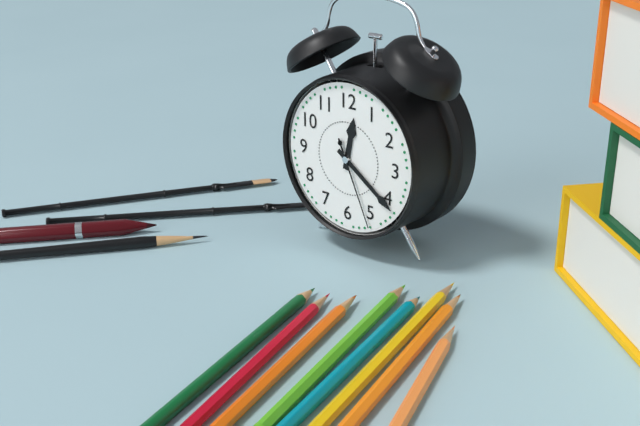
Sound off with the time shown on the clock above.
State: 12:21:26
